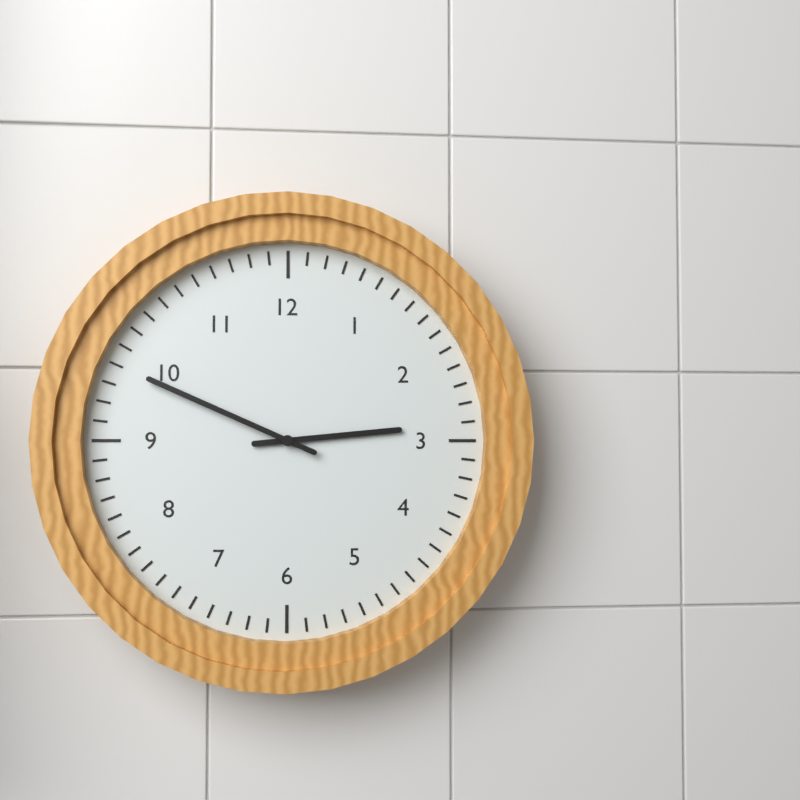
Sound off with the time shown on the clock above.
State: 2:49
